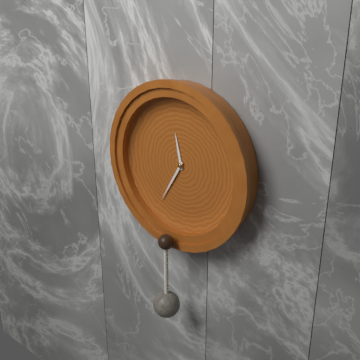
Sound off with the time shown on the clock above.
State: 11:35
